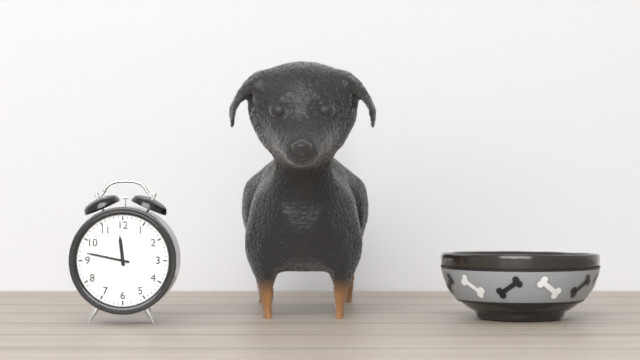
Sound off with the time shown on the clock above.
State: 11:47
